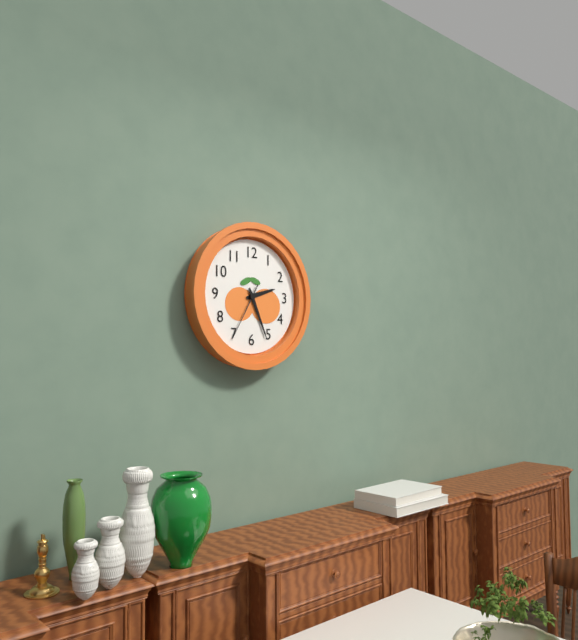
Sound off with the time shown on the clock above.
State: 2:26:35
